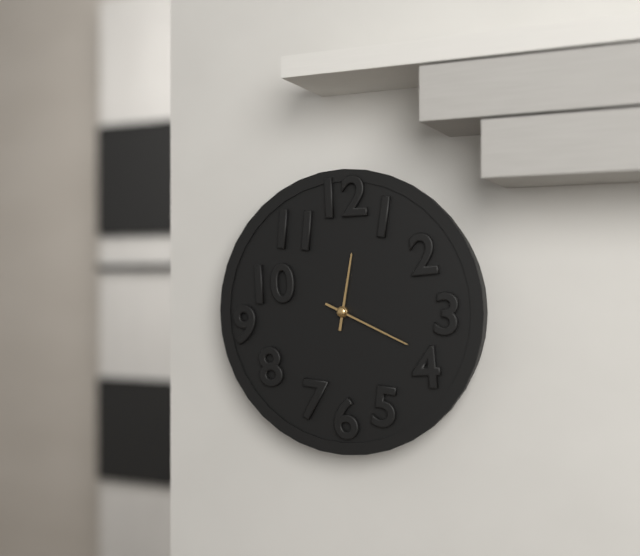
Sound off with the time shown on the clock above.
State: 12:19
